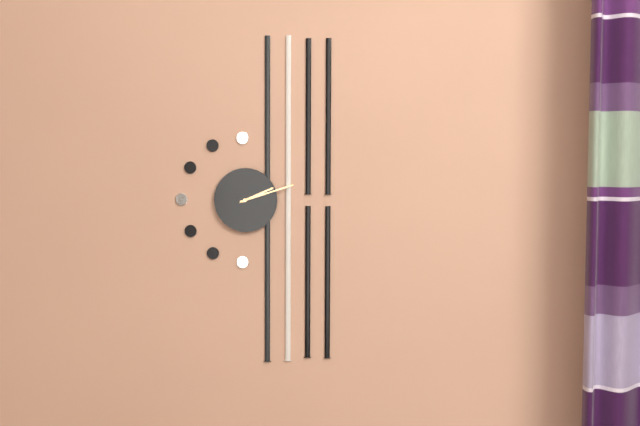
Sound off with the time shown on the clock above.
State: 2:12
